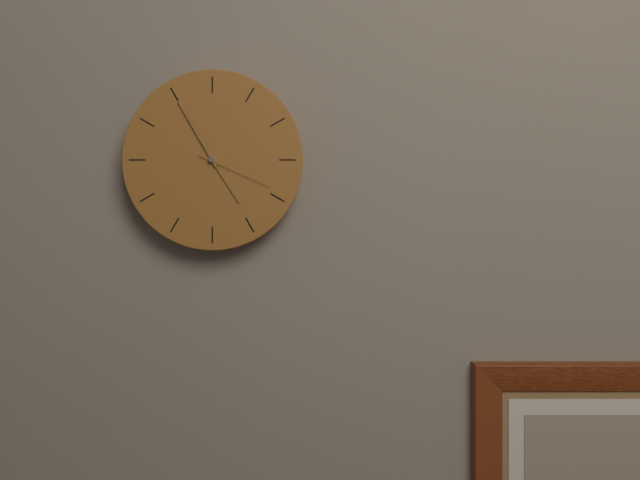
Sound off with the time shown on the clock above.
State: 4:55:19
